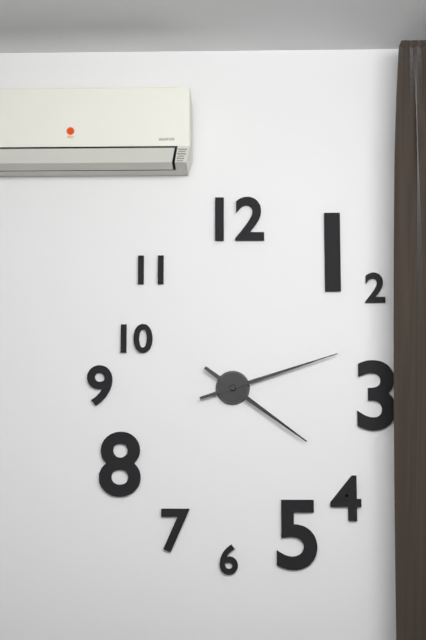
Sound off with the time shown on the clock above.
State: 4:12
